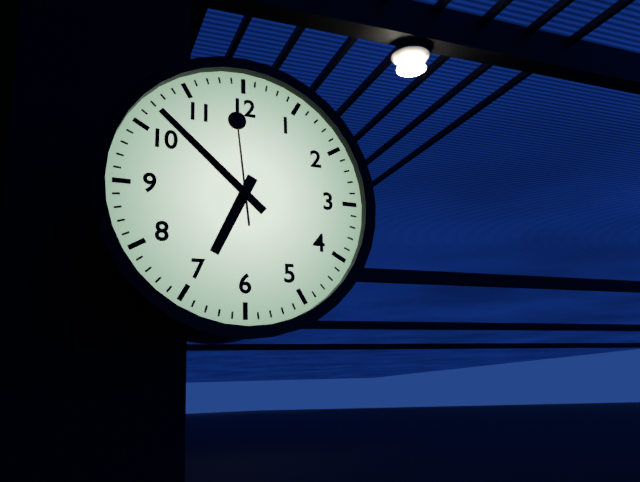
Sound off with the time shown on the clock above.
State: 6:52:59
